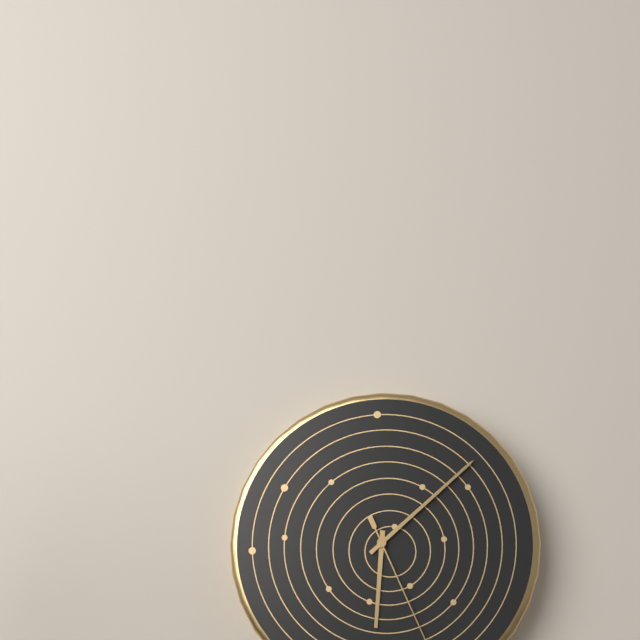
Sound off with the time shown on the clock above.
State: 6:08
